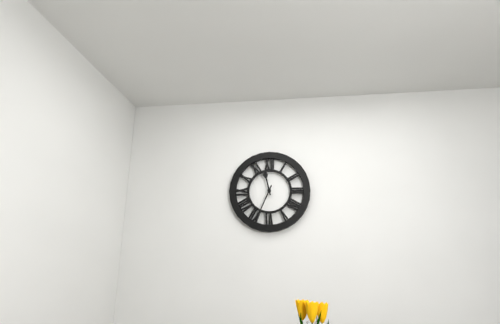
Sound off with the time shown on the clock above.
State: 11:34
